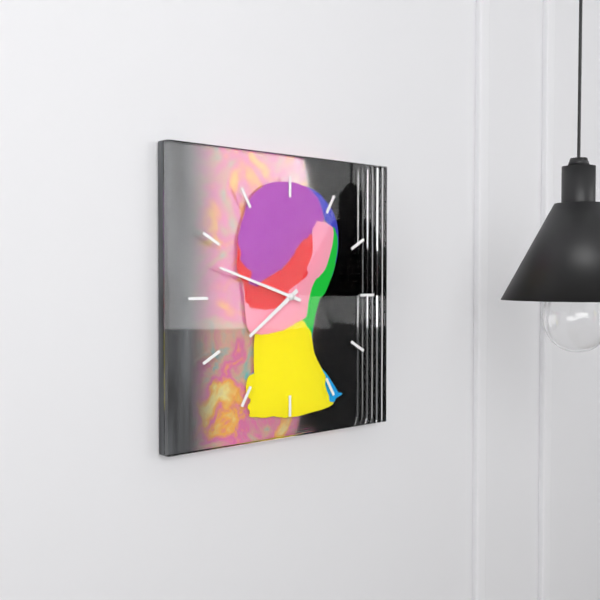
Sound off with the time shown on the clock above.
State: 7:48
